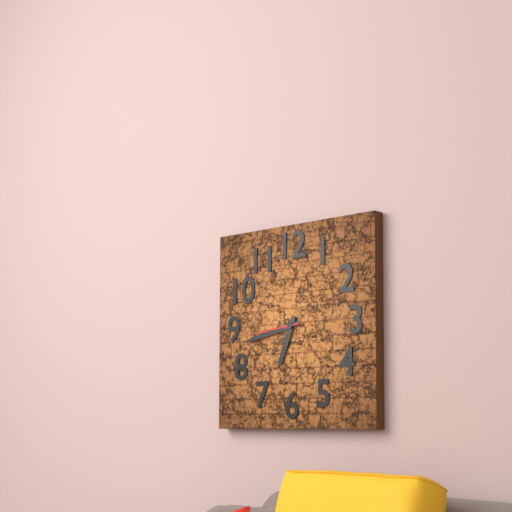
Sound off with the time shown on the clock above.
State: 6:43:44
